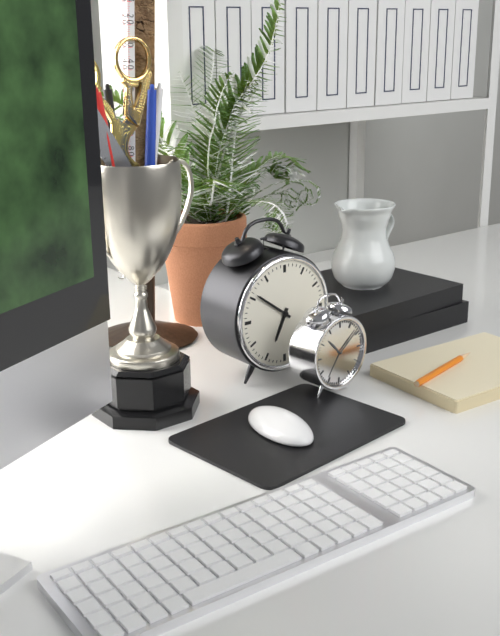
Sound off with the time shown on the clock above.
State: 6:51
